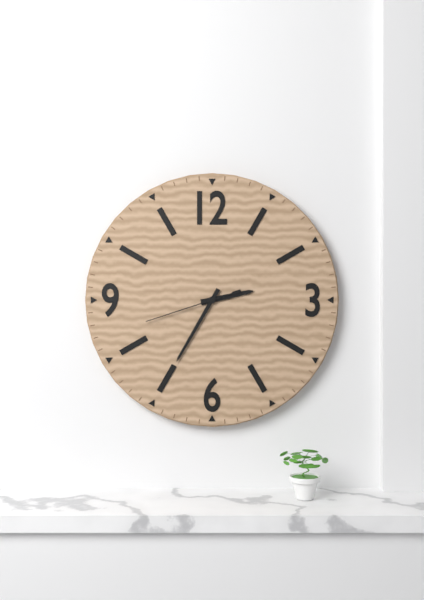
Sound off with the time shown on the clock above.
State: 2:35:42
